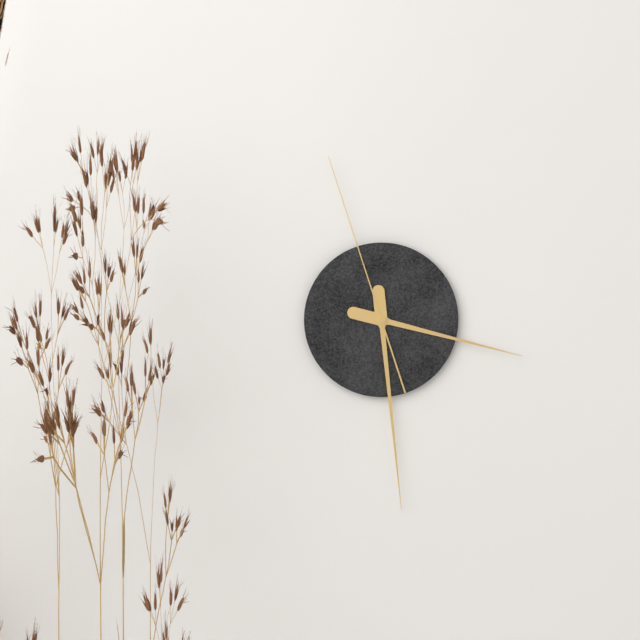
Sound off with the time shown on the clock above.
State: 3:29:57
